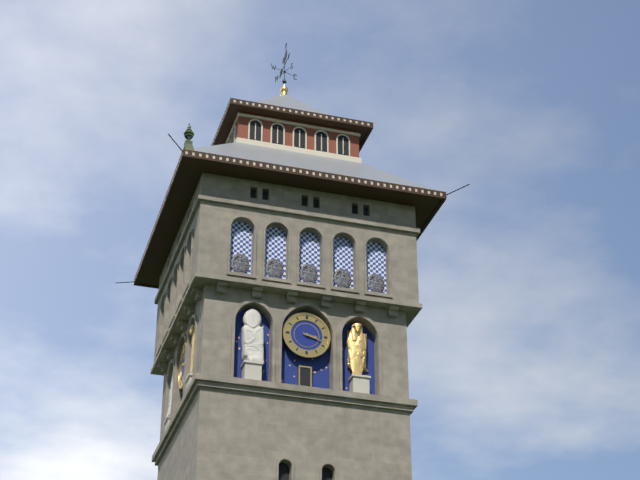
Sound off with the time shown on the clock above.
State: 3:18
